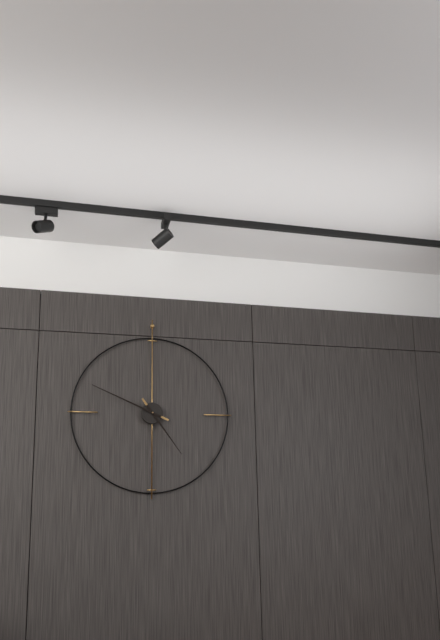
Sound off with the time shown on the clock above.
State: 4:49
